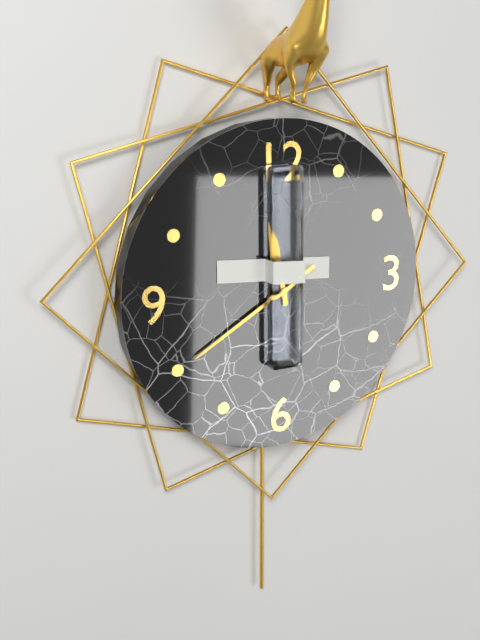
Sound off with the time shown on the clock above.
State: 11:40
